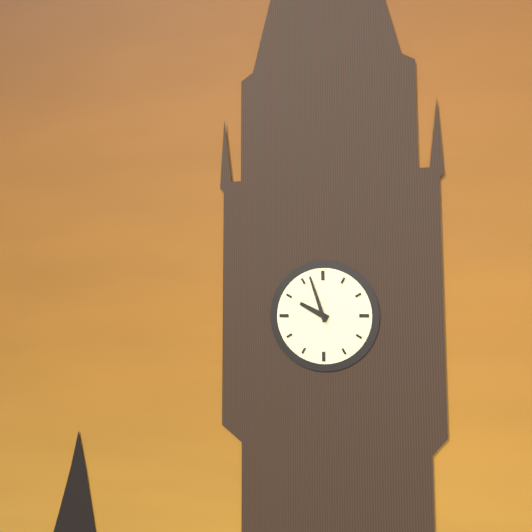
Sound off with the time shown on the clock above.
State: 9:57
